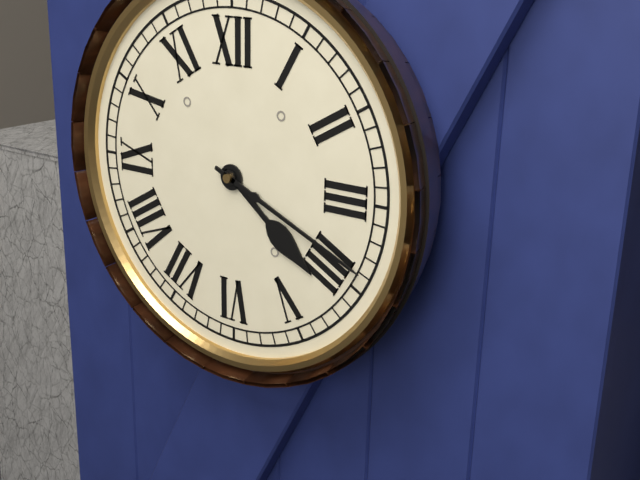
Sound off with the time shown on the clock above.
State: 4:19
